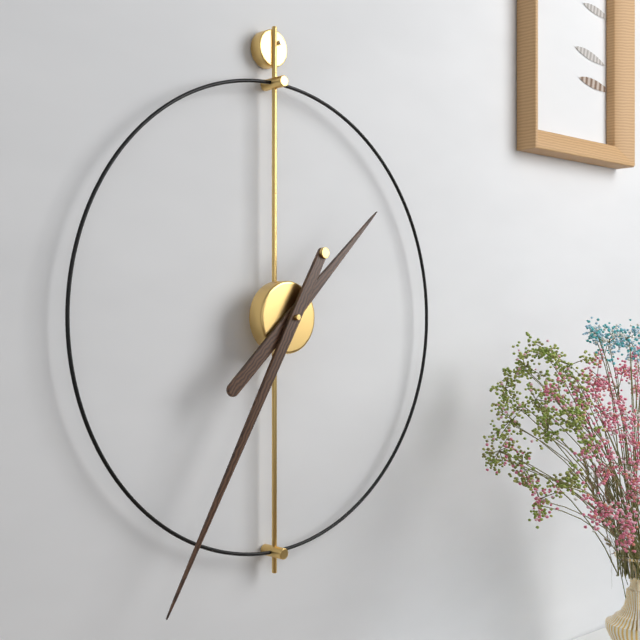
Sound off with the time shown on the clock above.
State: 1:35
